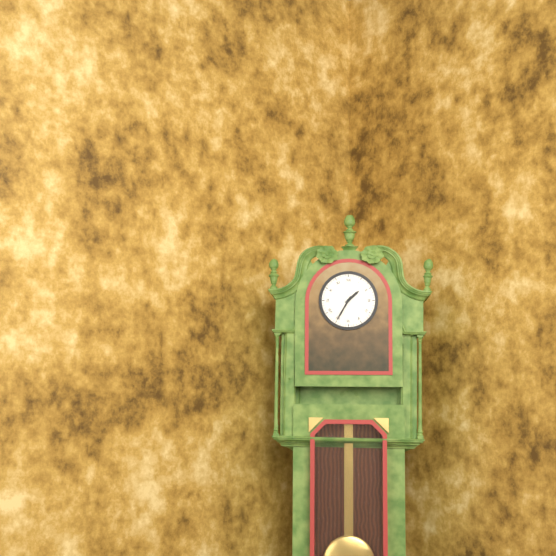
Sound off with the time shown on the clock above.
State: 1:35
